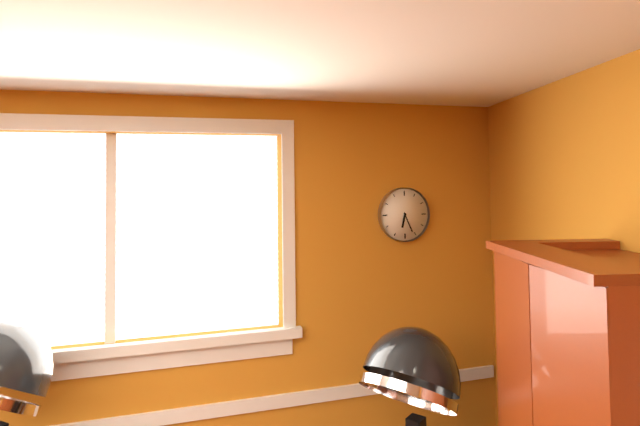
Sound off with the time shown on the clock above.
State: 6:26
